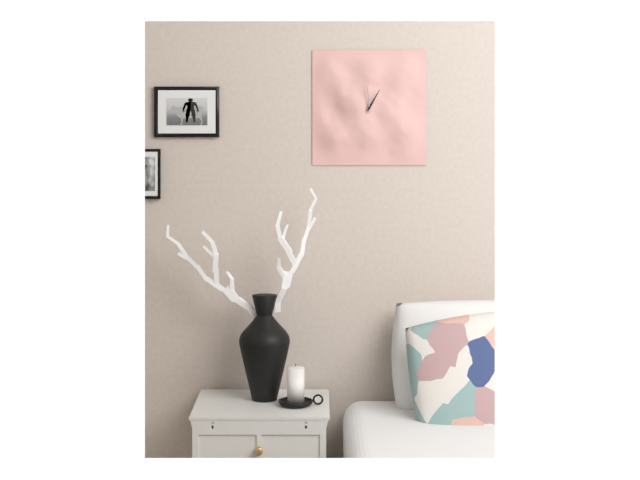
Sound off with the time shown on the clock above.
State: 12:59
